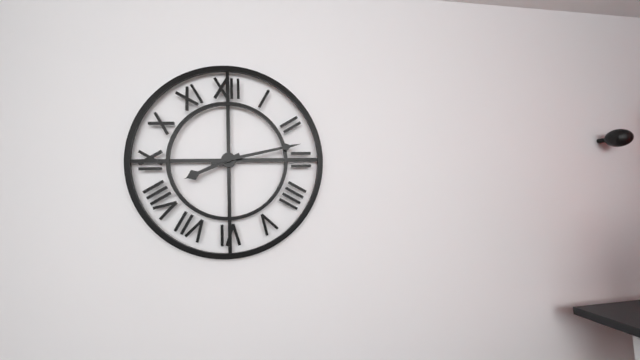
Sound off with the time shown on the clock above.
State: 8:13
